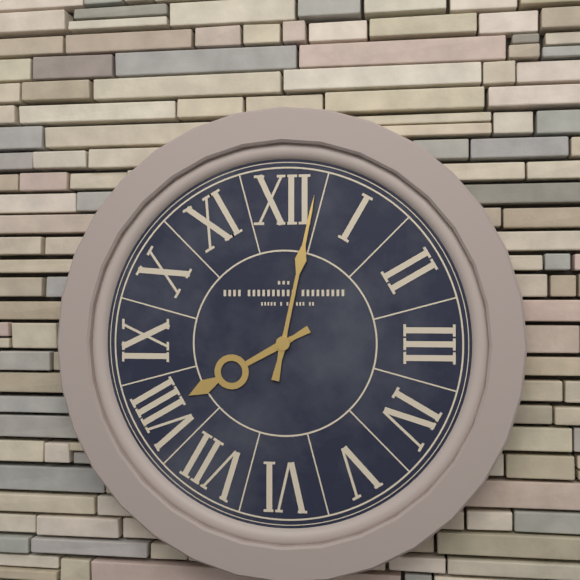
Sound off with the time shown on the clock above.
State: 8:02
